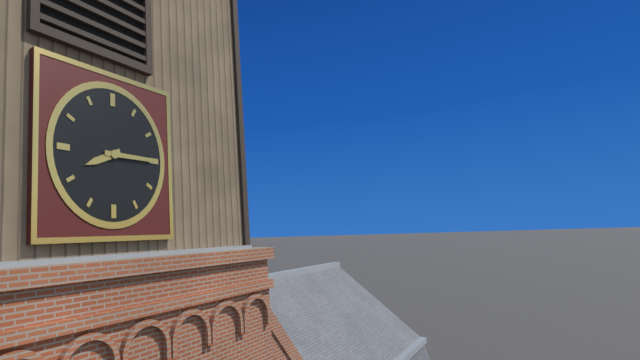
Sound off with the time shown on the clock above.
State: 8:15
